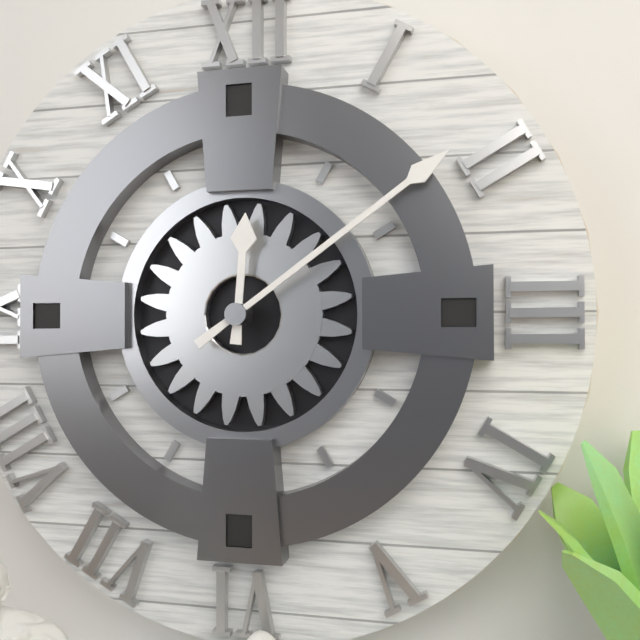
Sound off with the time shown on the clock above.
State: 12:09
